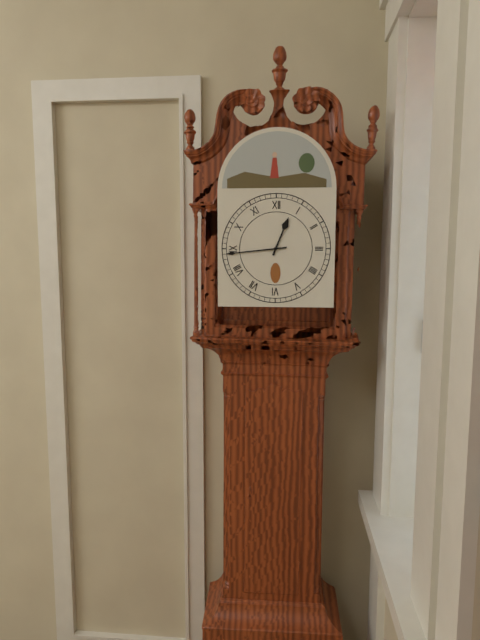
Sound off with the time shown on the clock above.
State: 12:44
